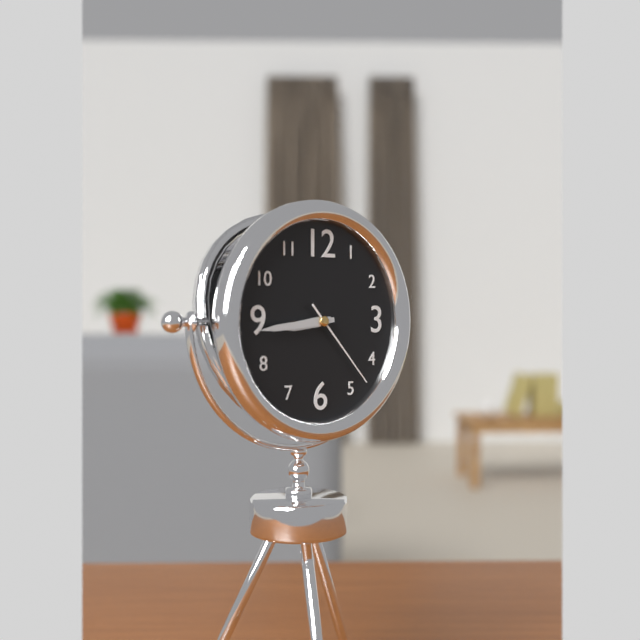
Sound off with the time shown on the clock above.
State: 8:44:23
